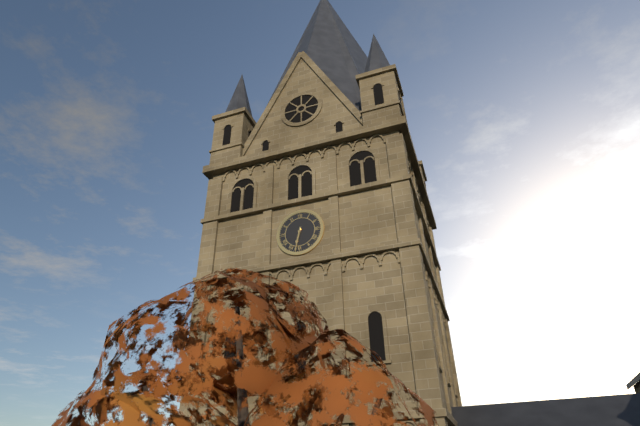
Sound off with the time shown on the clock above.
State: 6:32
